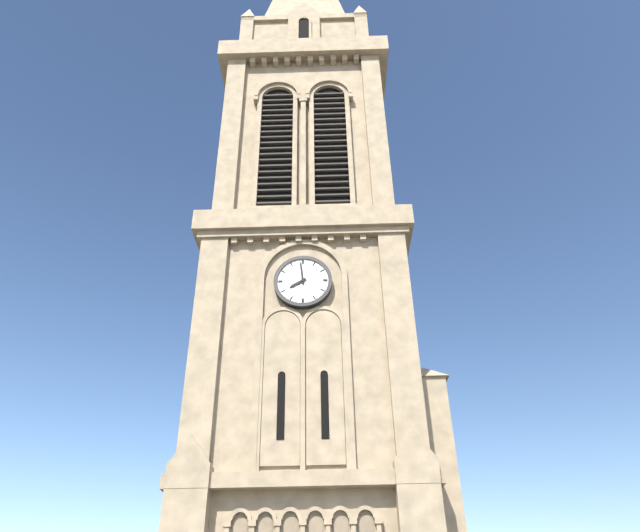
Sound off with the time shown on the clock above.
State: 7:59
